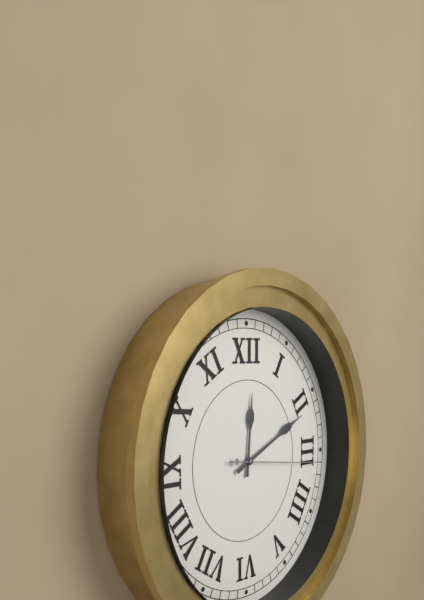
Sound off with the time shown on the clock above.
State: 12:11:16
